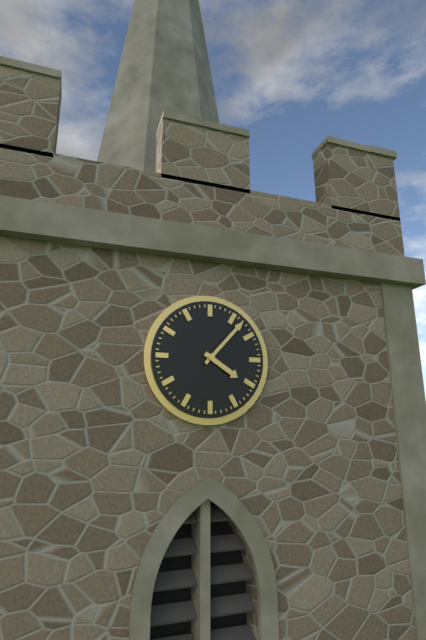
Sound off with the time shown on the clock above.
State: 4:07
